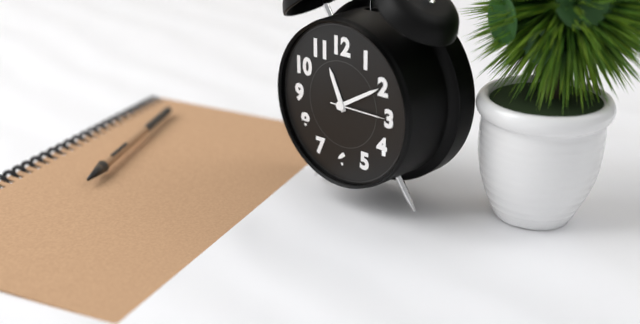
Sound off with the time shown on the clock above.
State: 11:10:15
